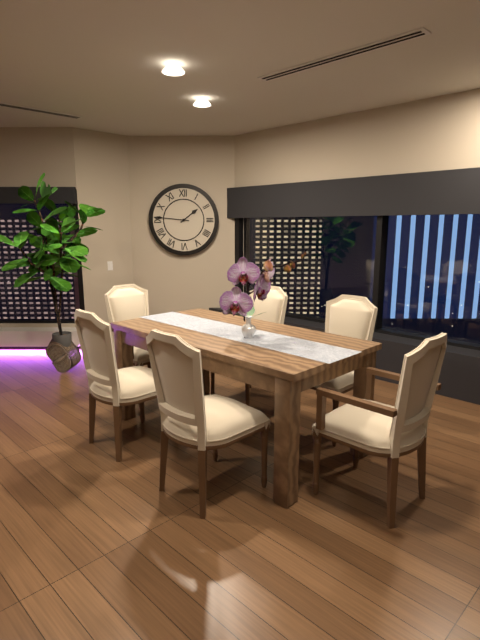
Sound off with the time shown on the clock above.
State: 1:46
